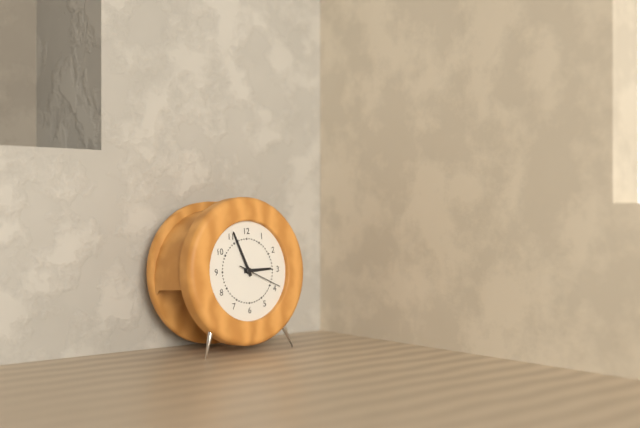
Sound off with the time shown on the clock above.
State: 2:56
